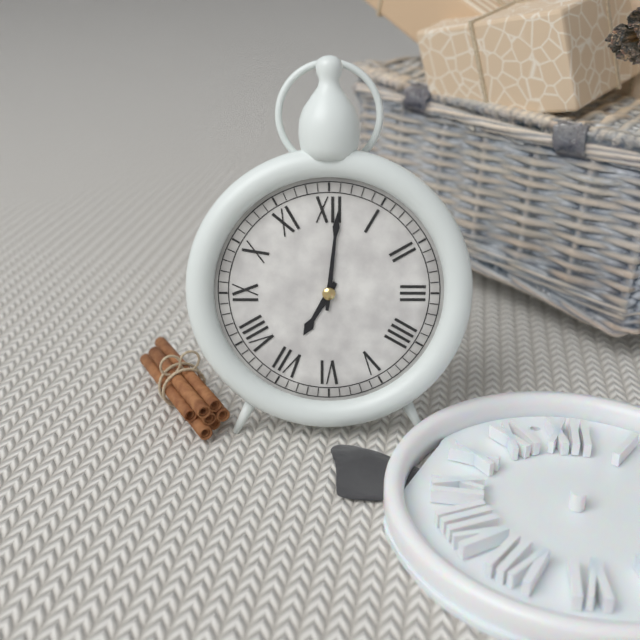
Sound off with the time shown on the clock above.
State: 7:01
